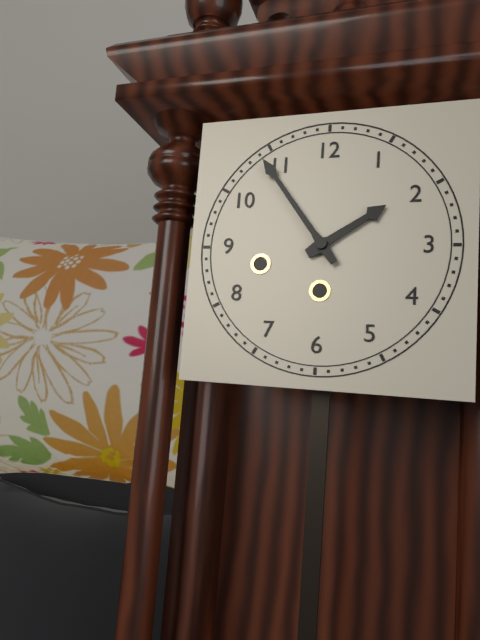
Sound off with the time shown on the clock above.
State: 1:54
